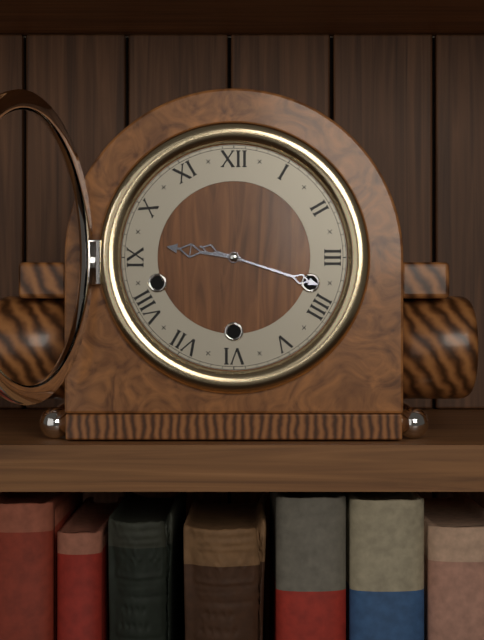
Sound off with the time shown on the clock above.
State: 9:18
